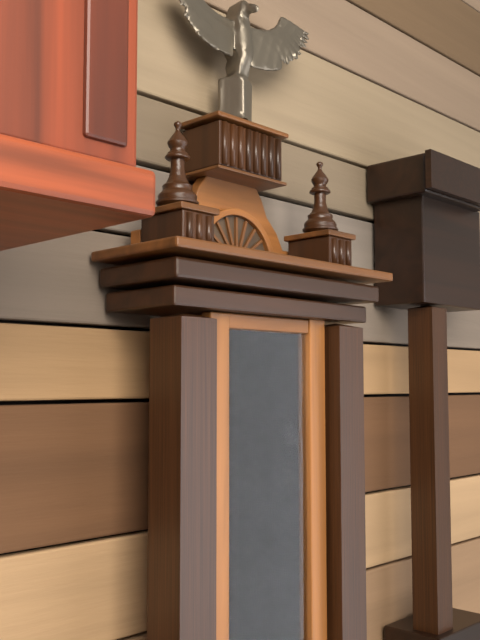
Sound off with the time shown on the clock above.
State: 2:59
